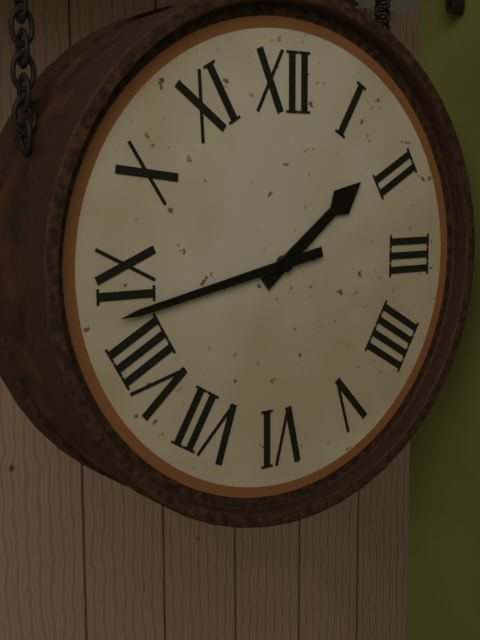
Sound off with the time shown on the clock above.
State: 1:43
